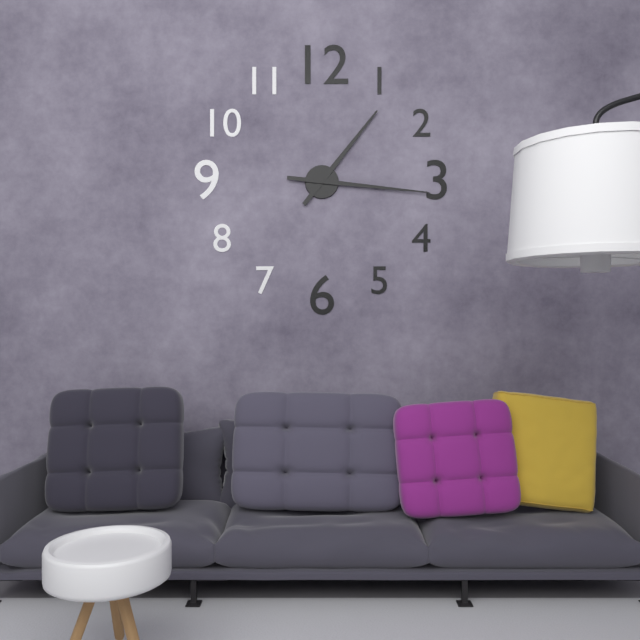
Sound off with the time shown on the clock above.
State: 1:16
